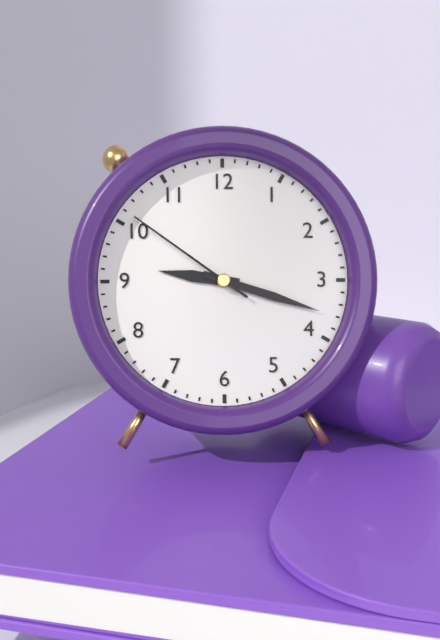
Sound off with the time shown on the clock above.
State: 9:18:51
